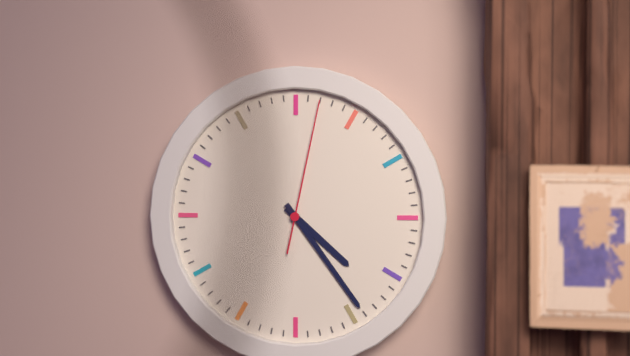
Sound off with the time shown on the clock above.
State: 4:24:02
